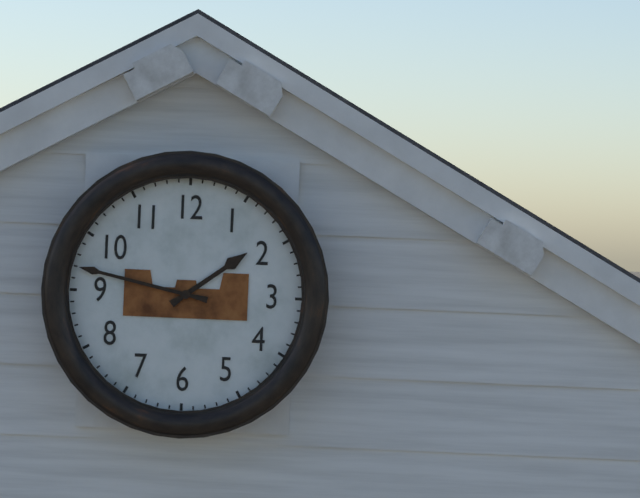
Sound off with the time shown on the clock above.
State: 1:47
